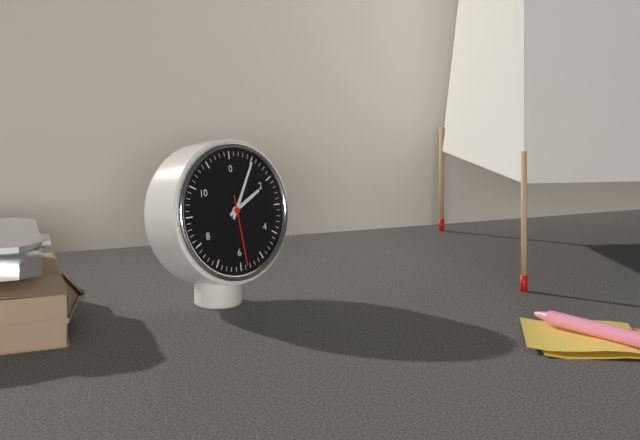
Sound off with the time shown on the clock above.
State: 2:05:29
